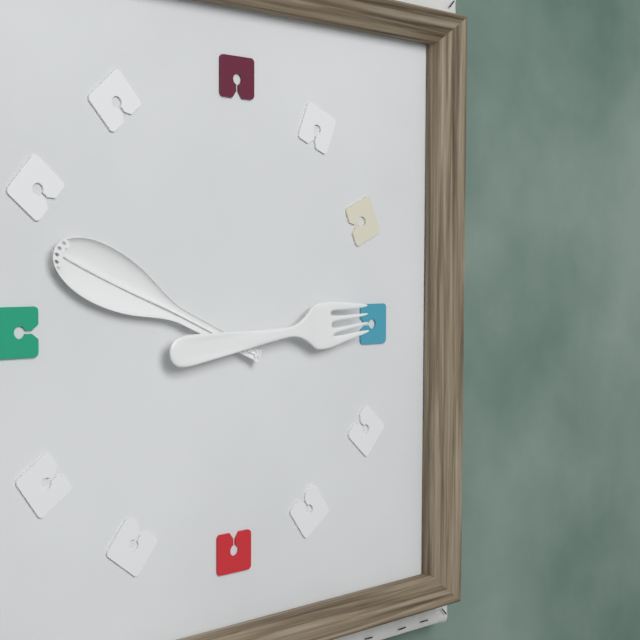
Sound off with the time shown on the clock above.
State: 2:49
